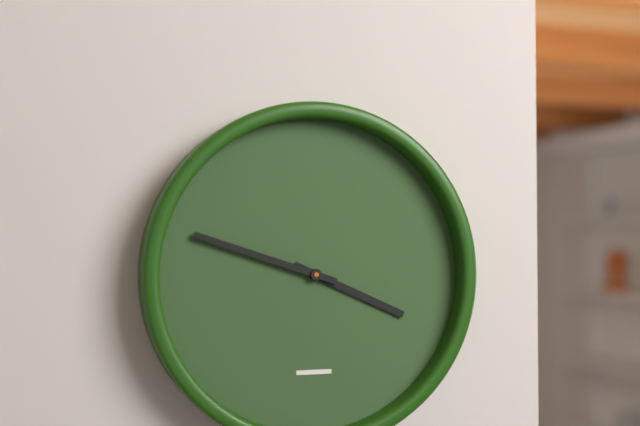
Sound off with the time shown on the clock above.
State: 3:48
